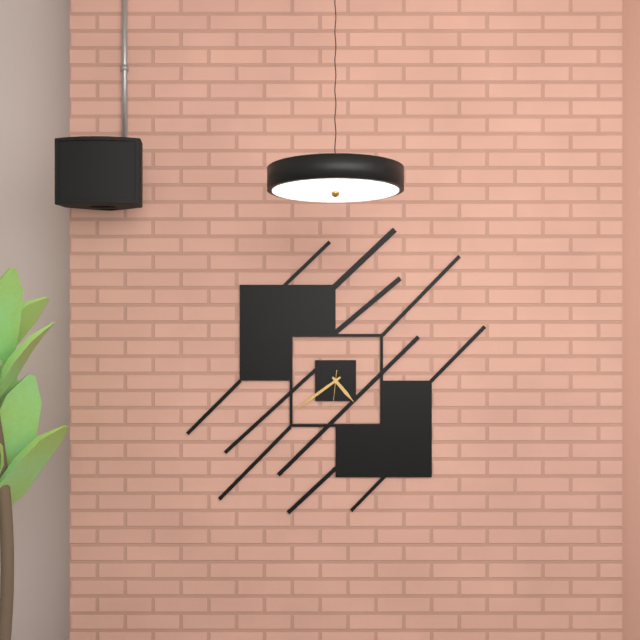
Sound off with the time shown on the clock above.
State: 4:39
